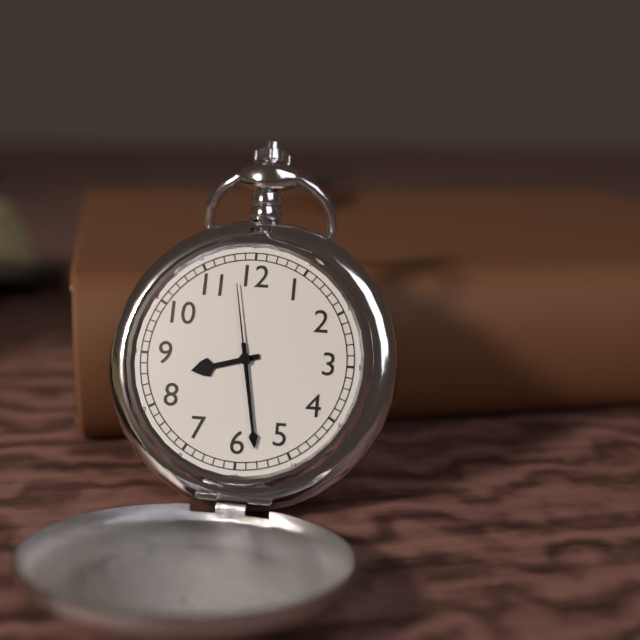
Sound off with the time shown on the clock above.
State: 8:28:58
